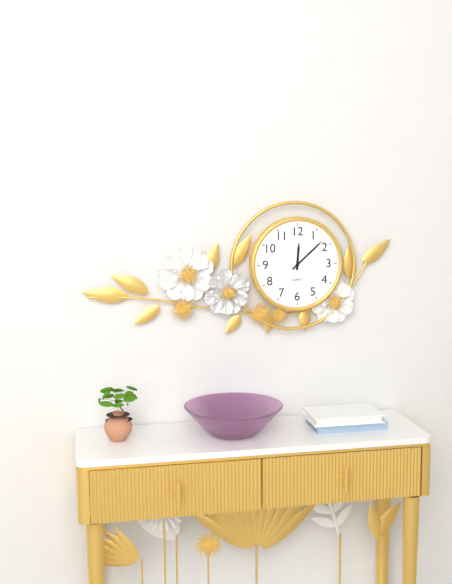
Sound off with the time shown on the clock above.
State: 12:08
